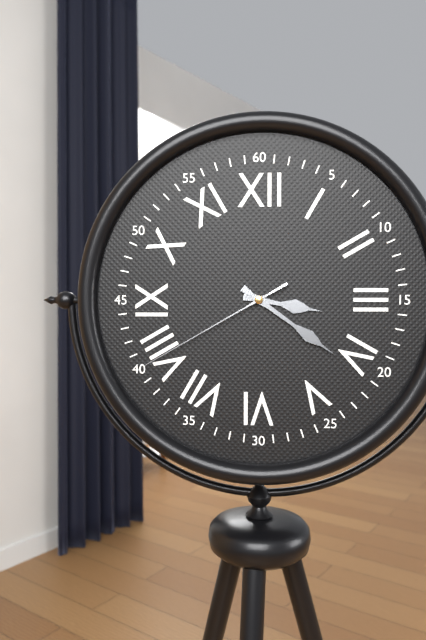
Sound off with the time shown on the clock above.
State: 3:21:40
